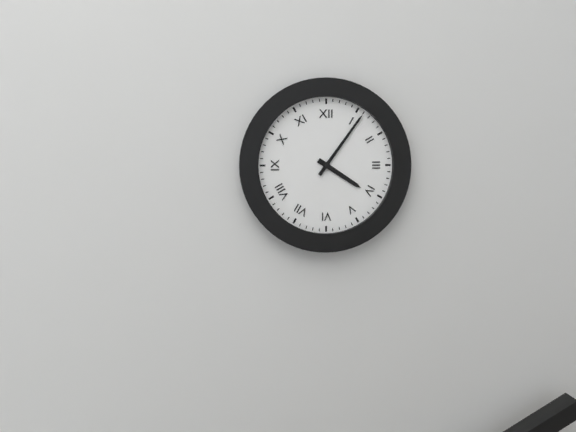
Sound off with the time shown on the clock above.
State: 4:06
